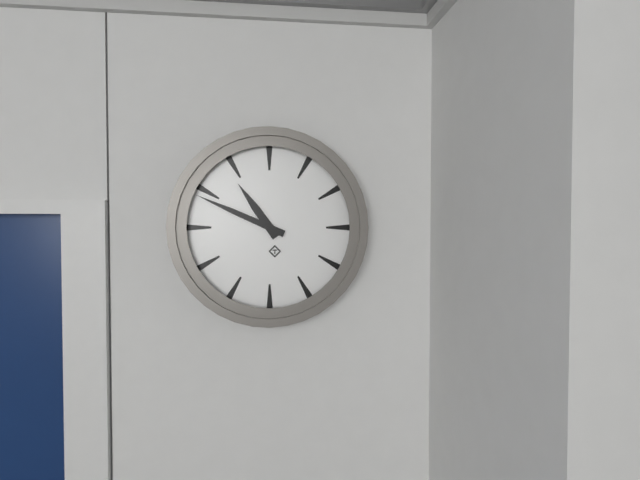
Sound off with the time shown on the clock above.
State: 10:49
